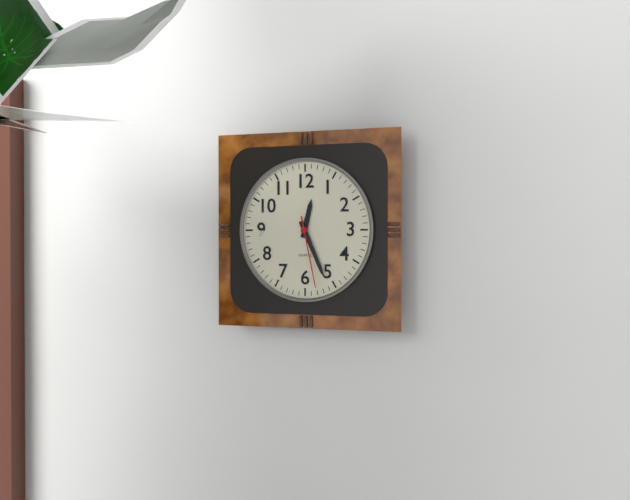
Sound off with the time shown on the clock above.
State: 12:26:28
